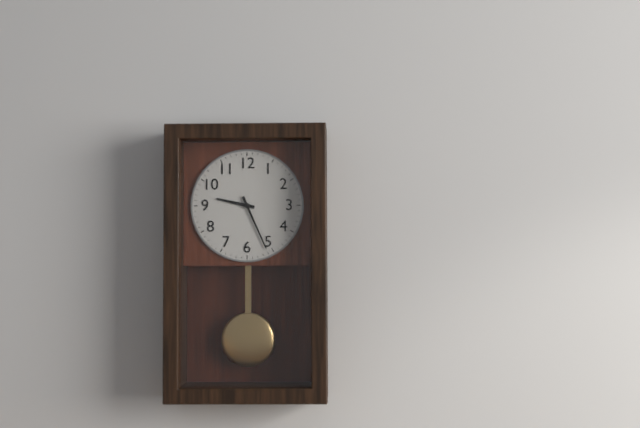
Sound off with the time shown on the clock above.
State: 9:26
